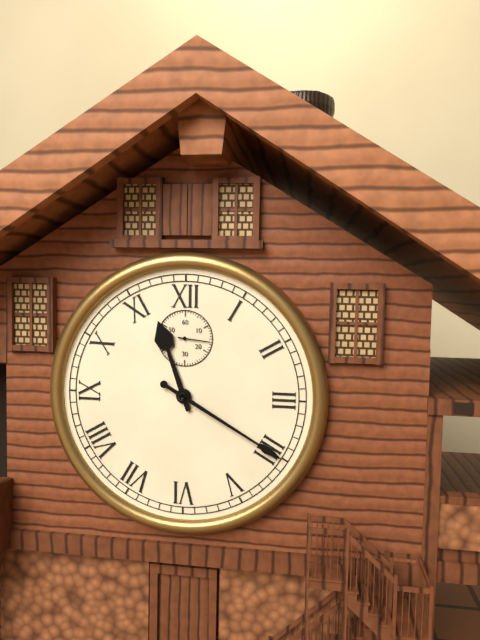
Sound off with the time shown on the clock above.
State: 11:20
